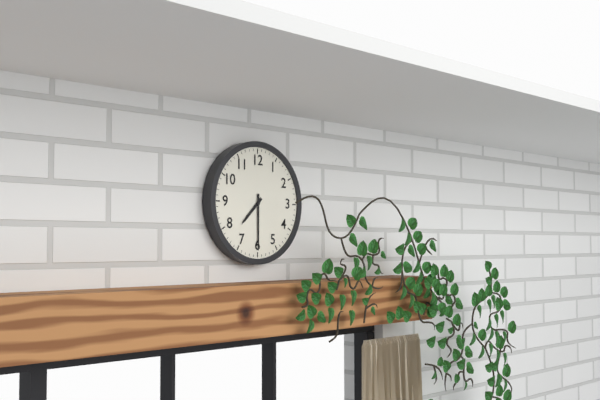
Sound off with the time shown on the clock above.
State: 7:30
